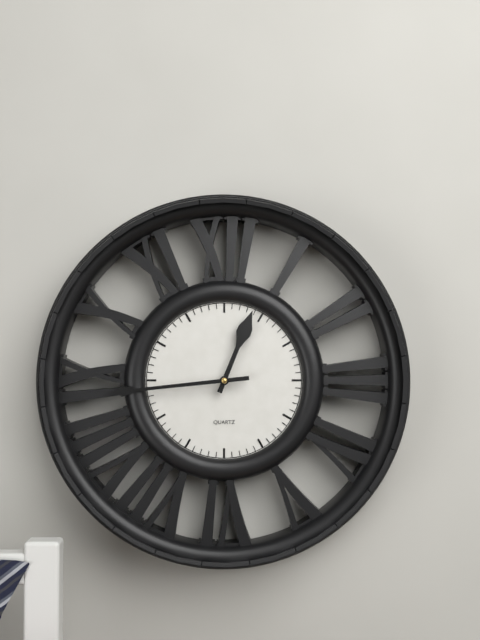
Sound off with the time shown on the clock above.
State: 12:44
